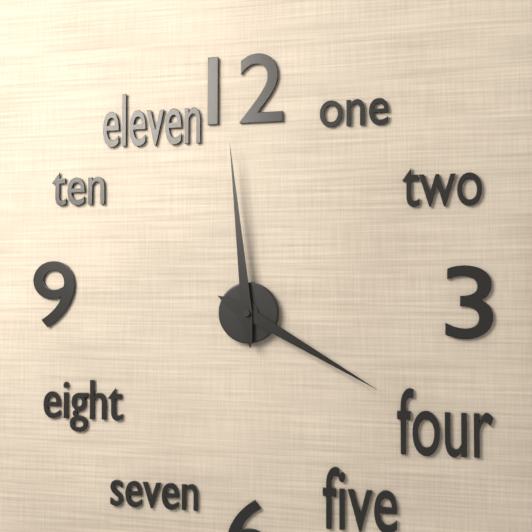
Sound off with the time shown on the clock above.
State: 3:59
